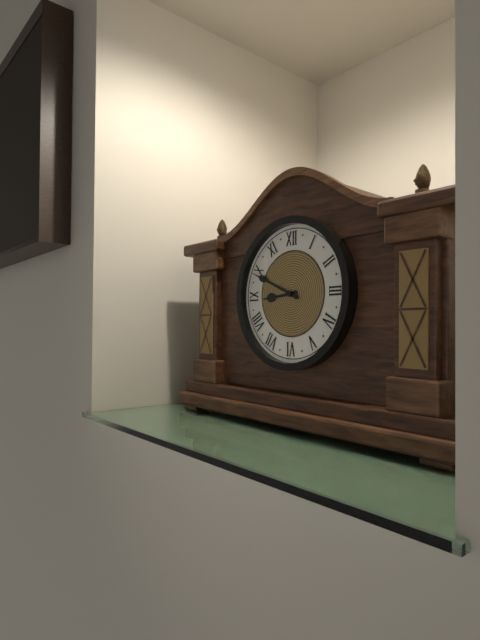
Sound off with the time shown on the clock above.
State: 8:49
